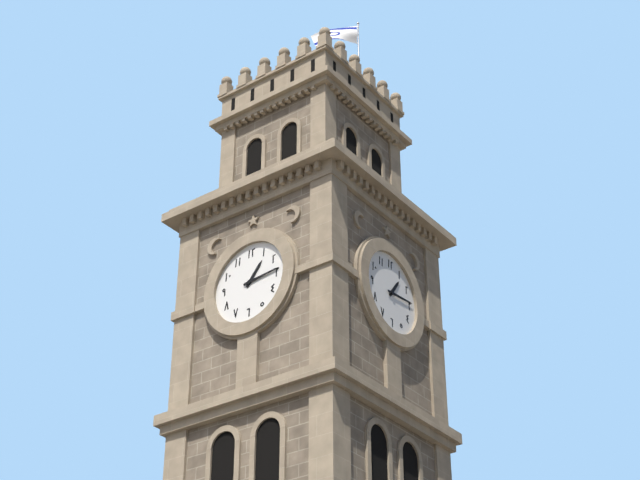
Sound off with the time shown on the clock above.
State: 1:14
